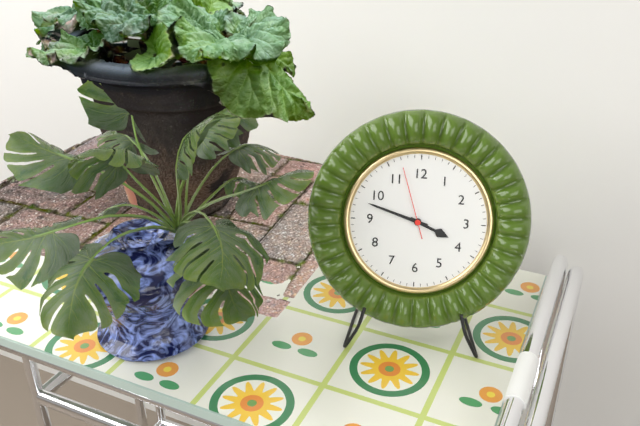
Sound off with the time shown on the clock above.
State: 3:48:57
